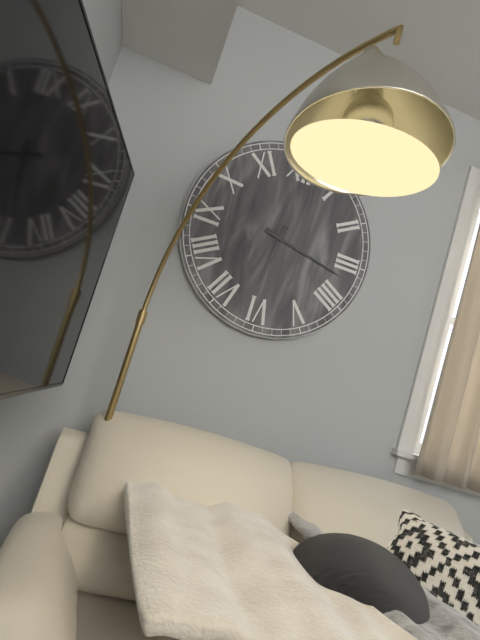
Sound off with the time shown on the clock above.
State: 6:17
